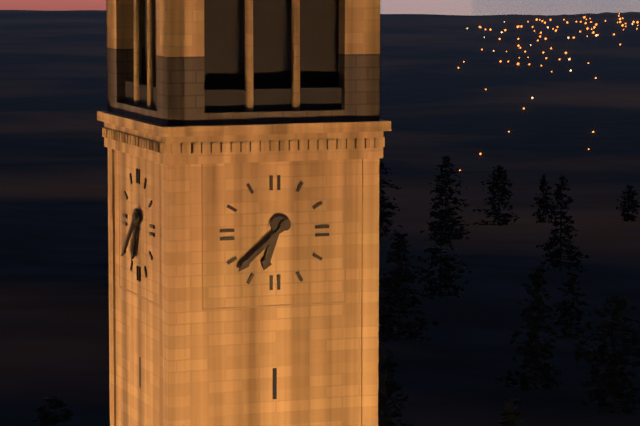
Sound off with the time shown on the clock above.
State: 6:38
